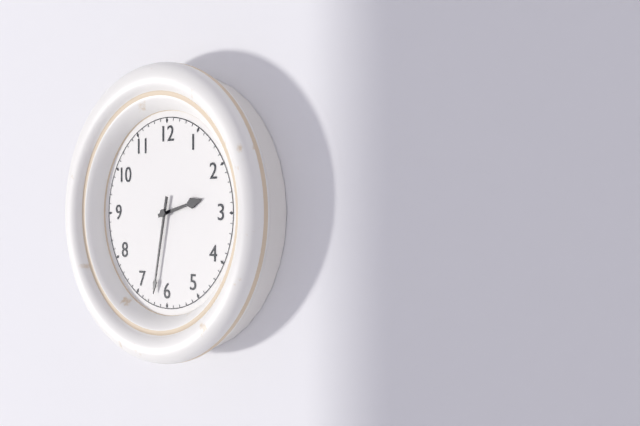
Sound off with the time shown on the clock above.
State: 2:32
